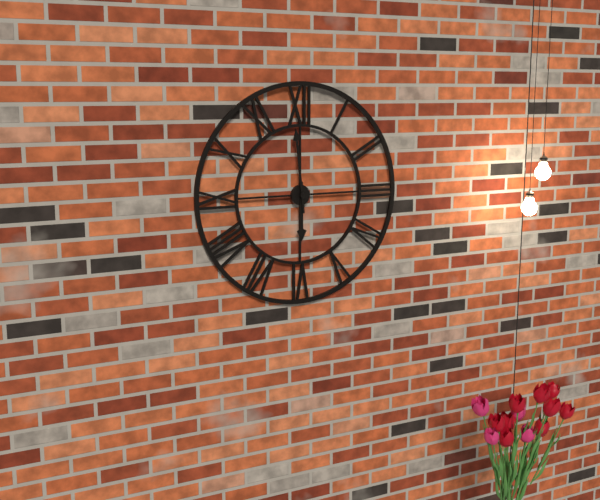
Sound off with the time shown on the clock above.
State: 5:59
